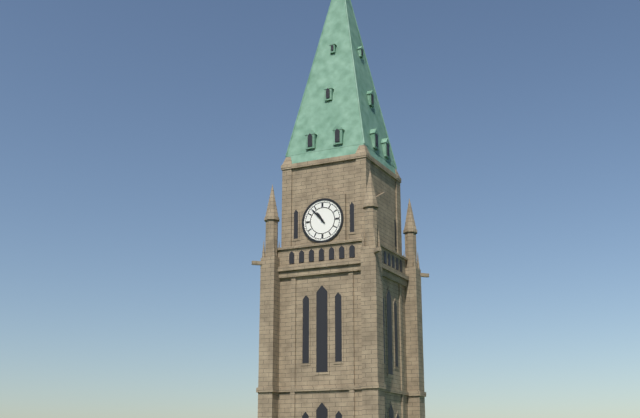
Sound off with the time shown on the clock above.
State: 10:53
